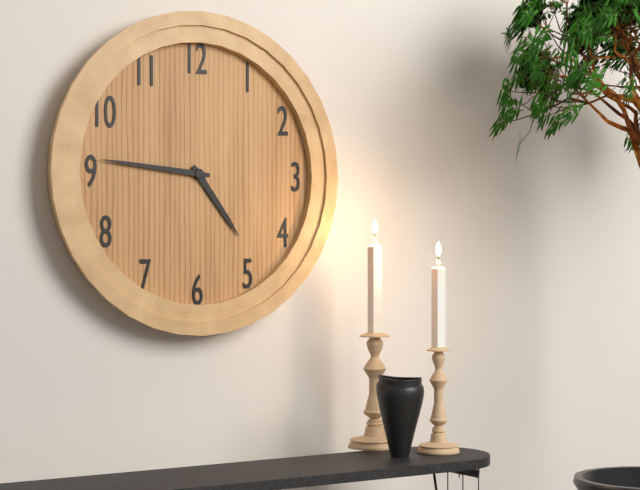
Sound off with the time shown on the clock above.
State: 4:46
